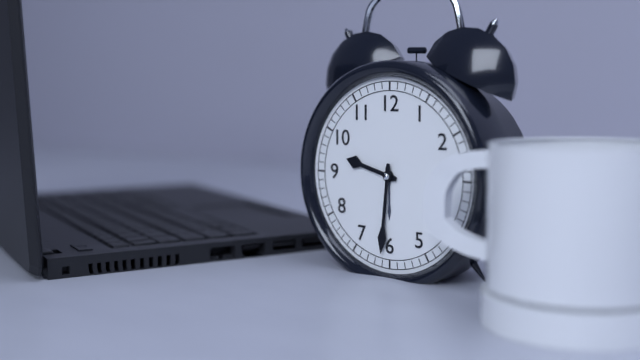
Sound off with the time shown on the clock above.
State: 9:31
